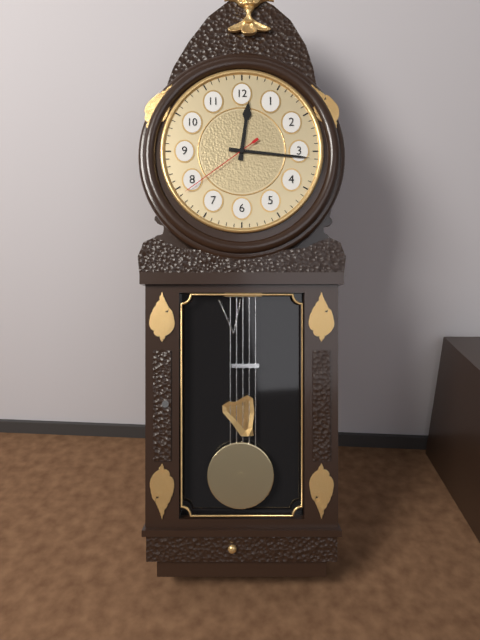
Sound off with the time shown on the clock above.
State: 12:16:39
